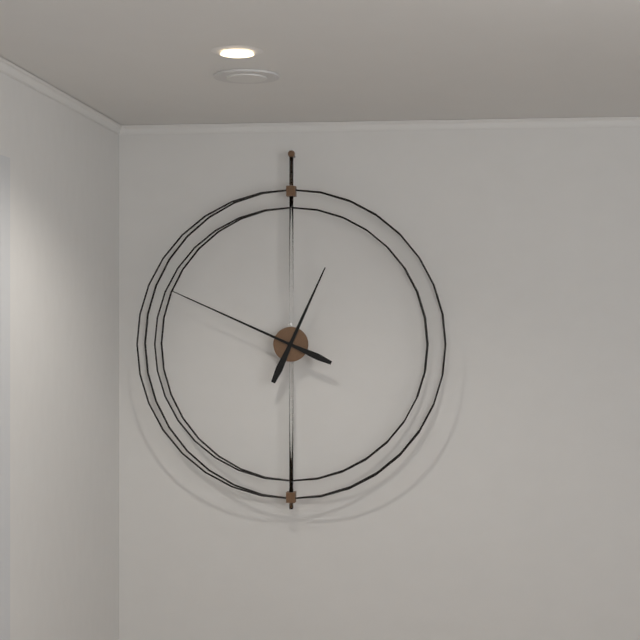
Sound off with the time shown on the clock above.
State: 12:49
